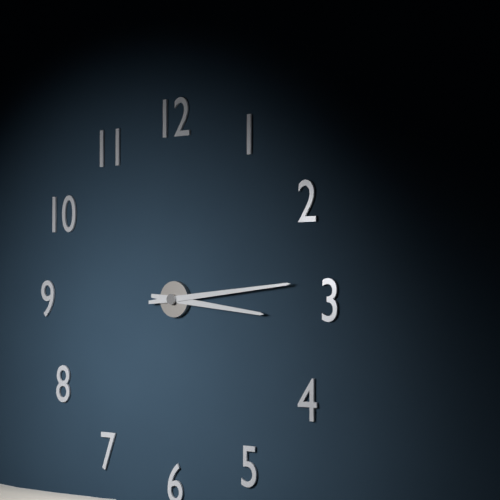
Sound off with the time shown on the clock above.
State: 3:14
